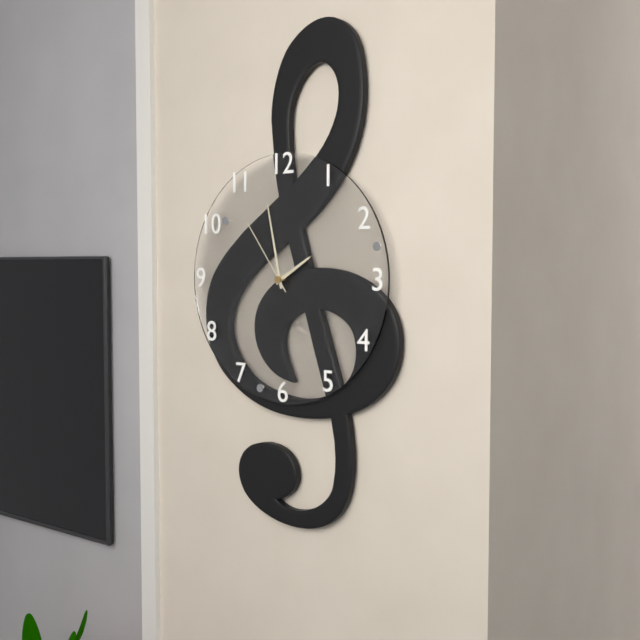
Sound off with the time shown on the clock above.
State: 1:58:54
